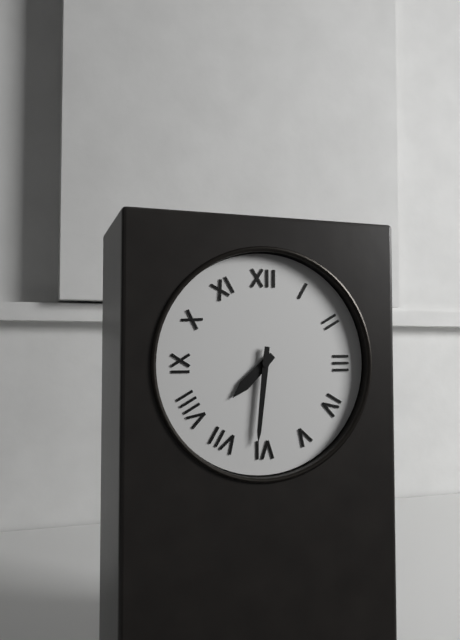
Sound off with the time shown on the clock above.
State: 7:31
